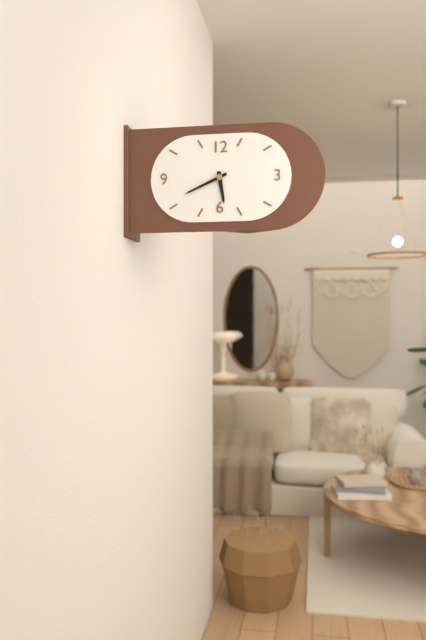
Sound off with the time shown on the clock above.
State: 5:41
